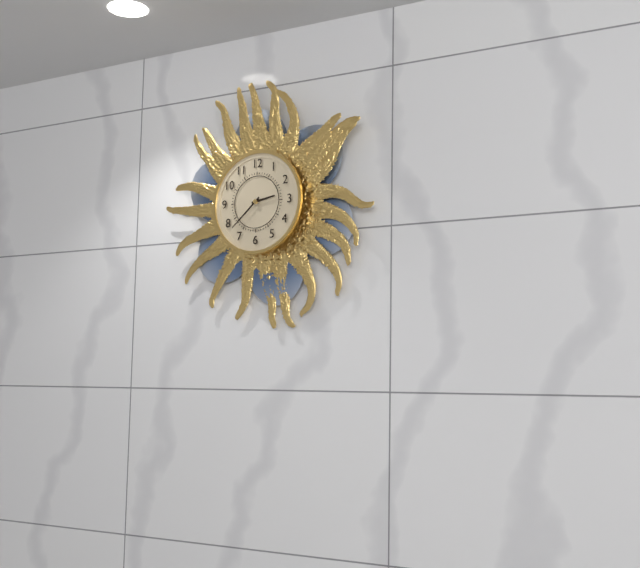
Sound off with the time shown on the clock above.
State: 2:38
